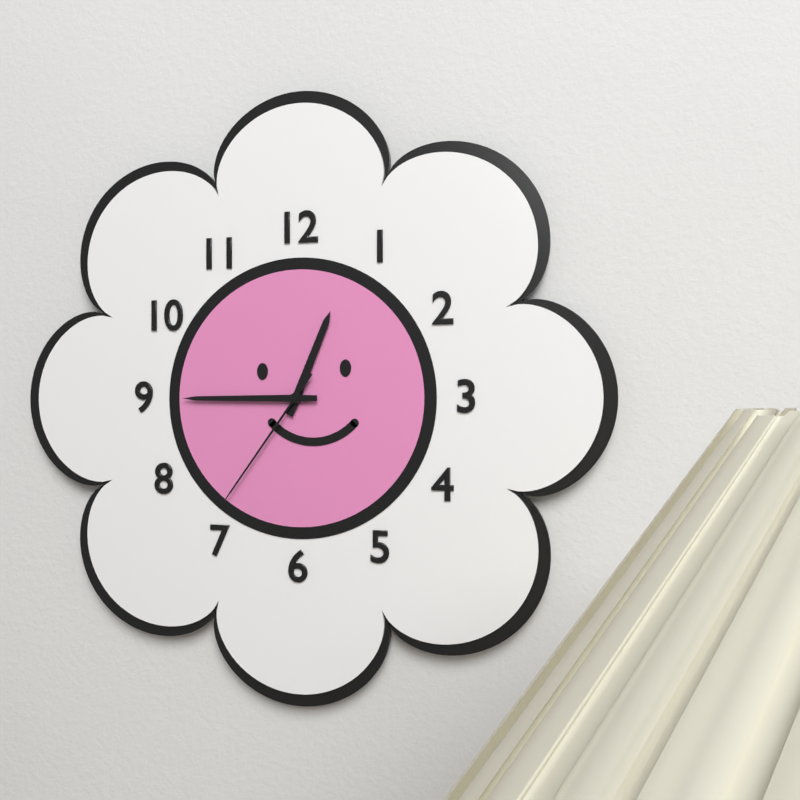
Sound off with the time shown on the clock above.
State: 12:45:36
